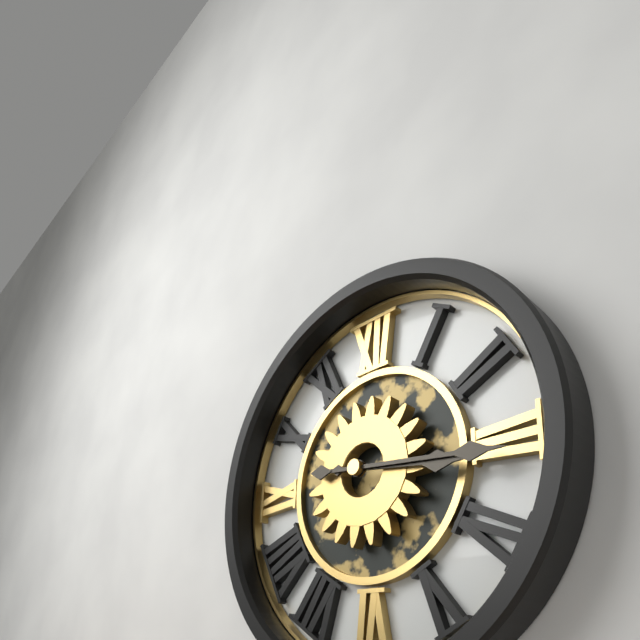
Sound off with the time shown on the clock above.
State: 3:16
